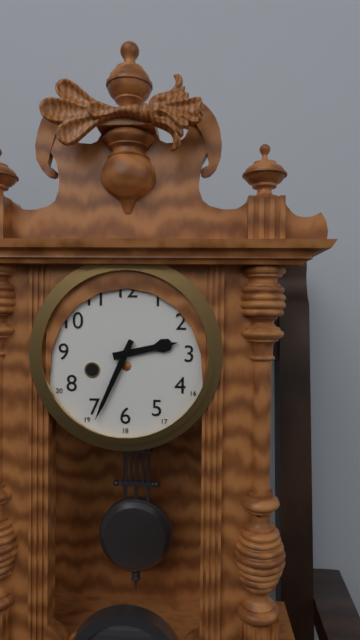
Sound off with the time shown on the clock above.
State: 2:34
